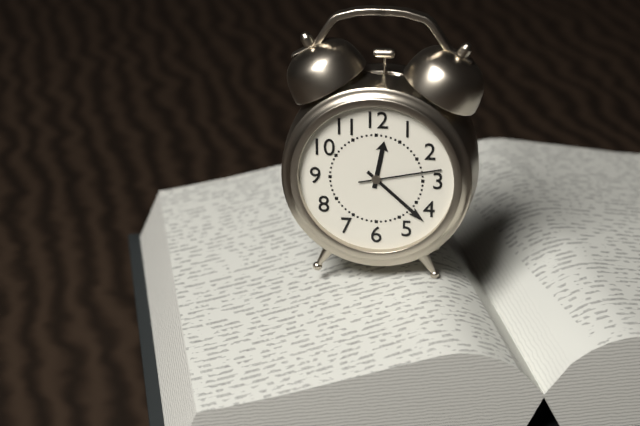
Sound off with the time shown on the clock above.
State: 12:22:13
